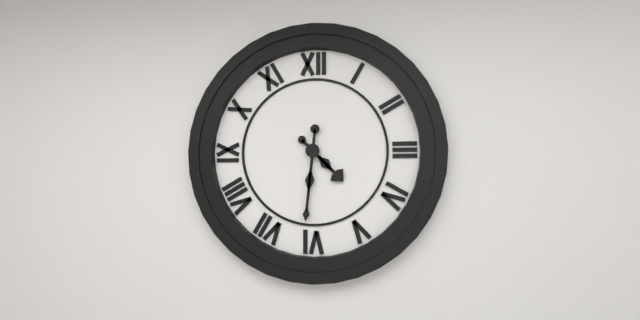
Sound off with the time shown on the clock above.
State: 4:31
